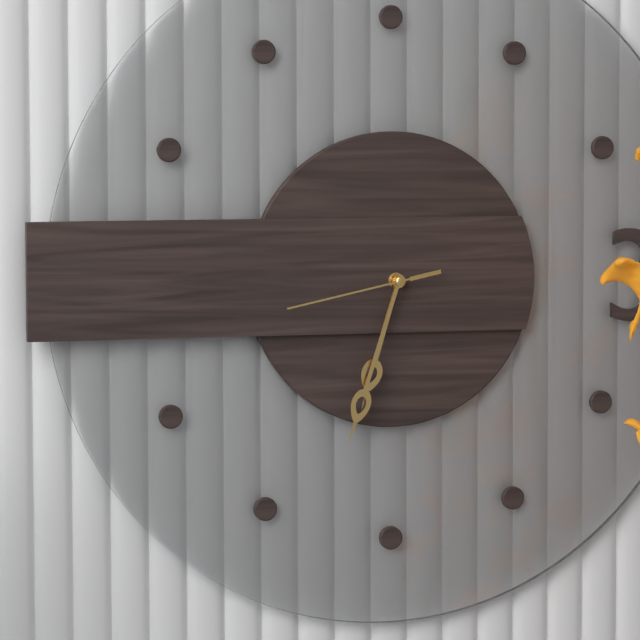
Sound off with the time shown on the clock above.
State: 6:33:43
